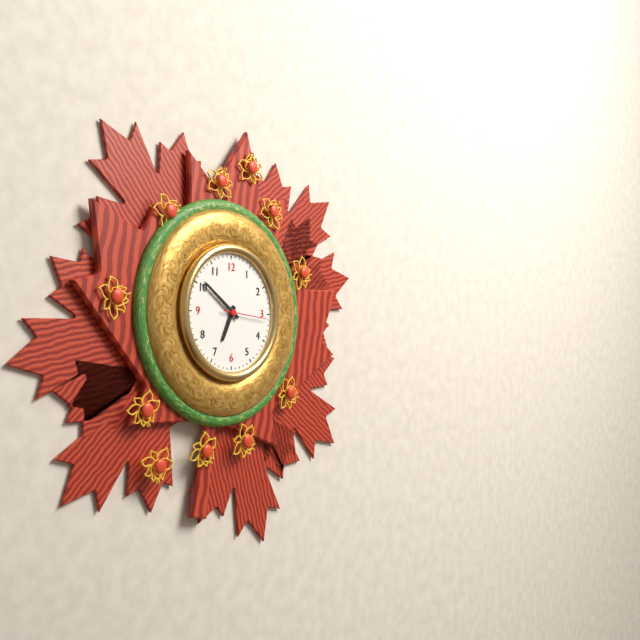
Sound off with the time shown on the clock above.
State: 6:51
